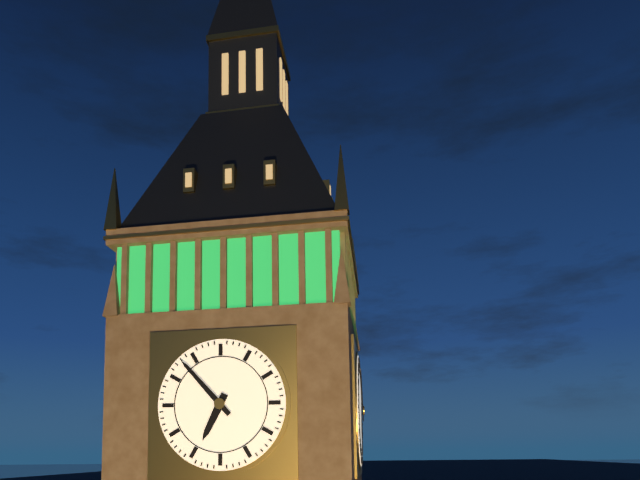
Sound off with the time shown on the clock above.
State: 6:53
